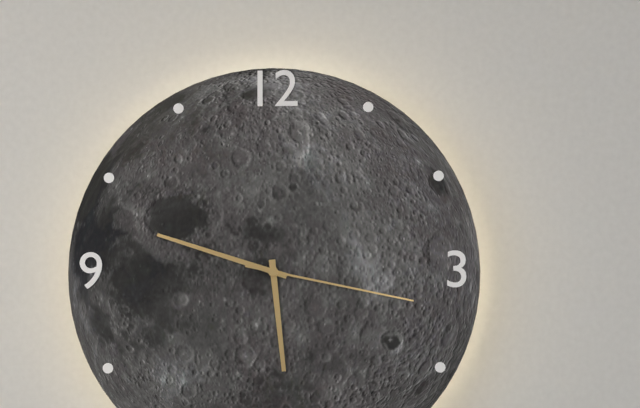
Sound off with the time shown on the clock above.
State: 5:48:17
